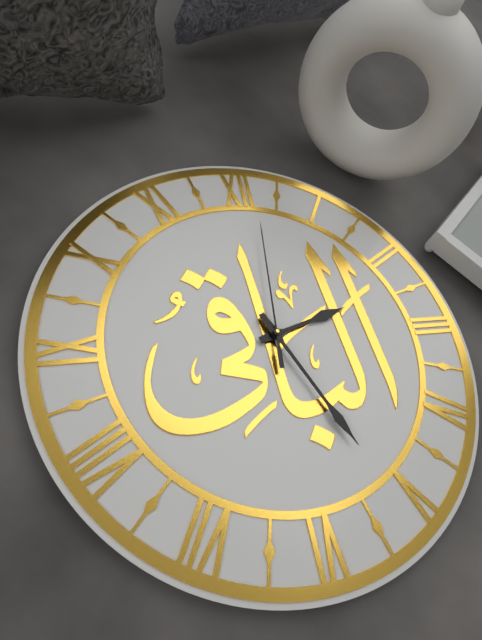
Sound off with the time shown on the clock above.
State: 2:26:01
